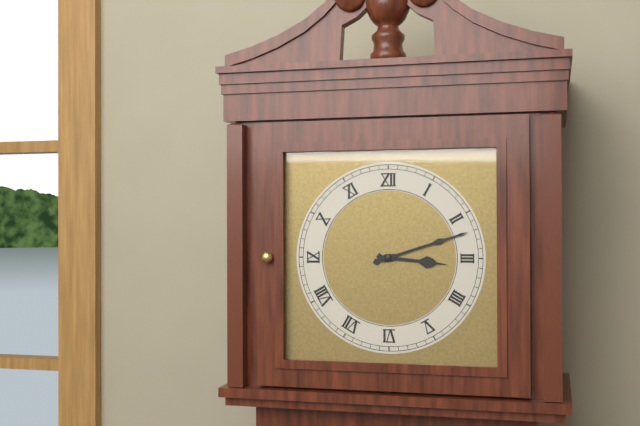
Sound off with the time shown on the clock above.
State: 3:12
